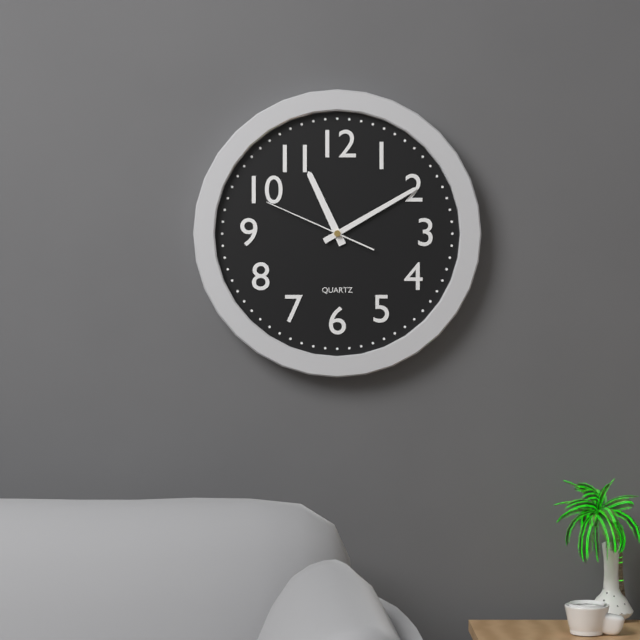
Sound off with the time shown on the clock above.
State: 11:10:49
